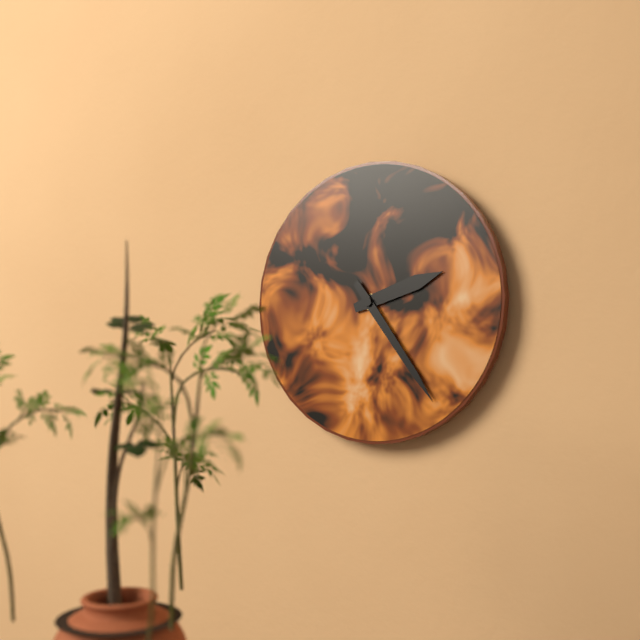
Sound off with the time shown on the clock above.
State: 2:24
